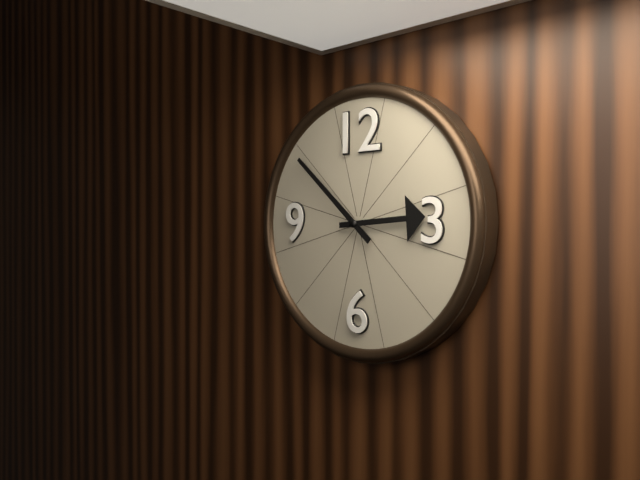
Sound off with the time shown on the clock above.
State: 2:52
